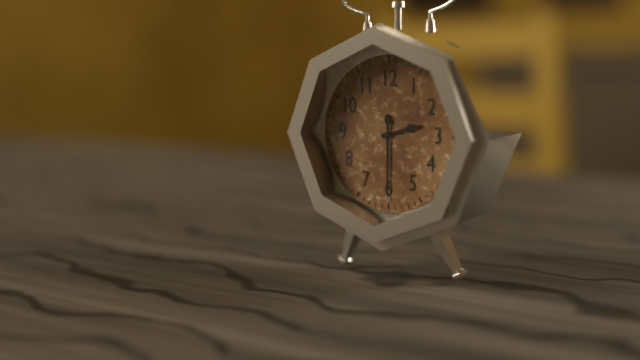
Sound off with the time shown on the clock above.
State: 2:30
